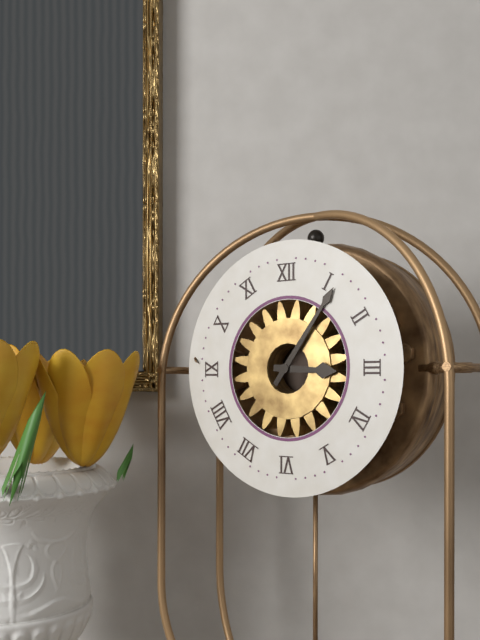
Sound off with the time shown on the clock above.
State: 3:06
